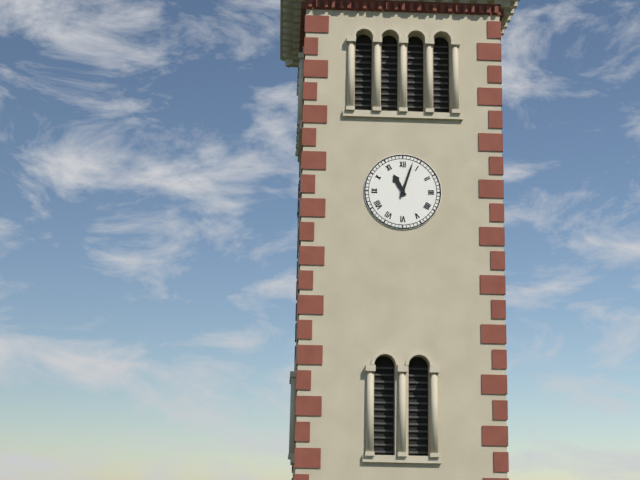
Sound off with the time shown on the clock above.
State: 11:03
